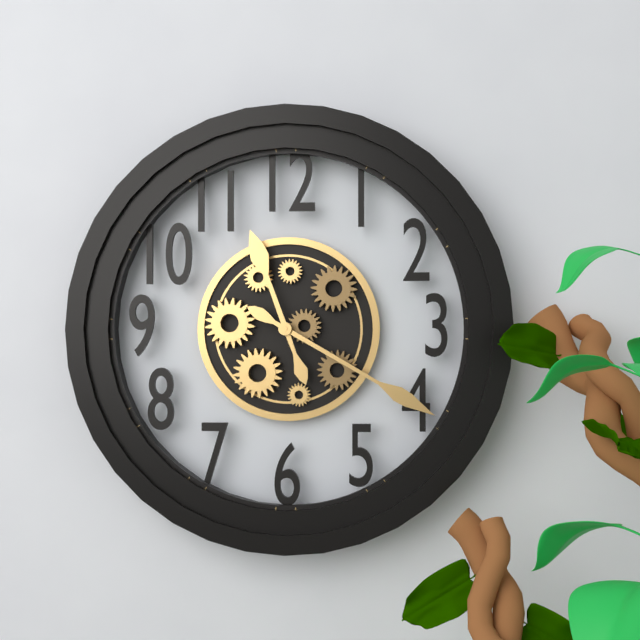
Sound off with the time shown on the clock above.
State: 11:20
